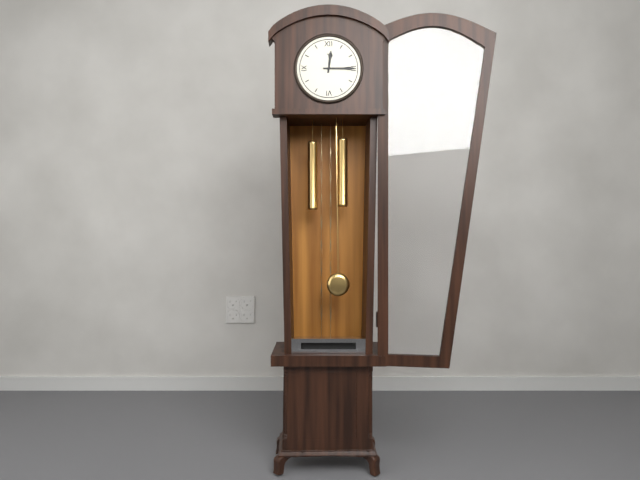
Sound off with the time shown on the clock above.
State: 12:15
